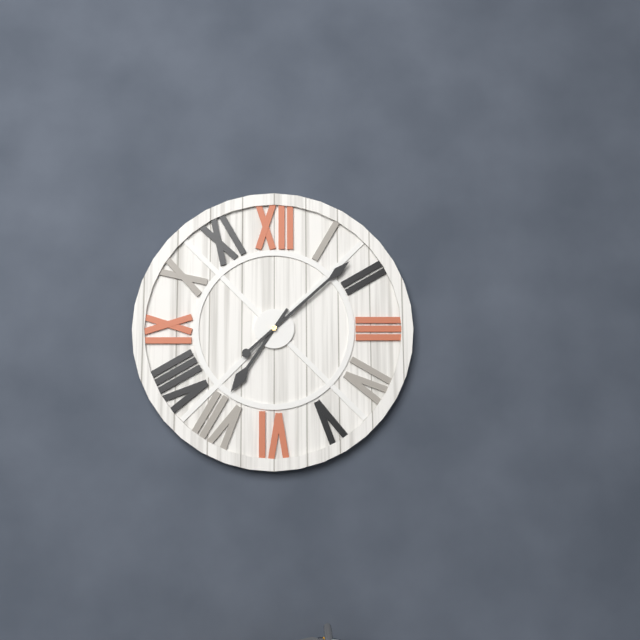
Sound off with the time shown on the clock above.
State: 7:08
